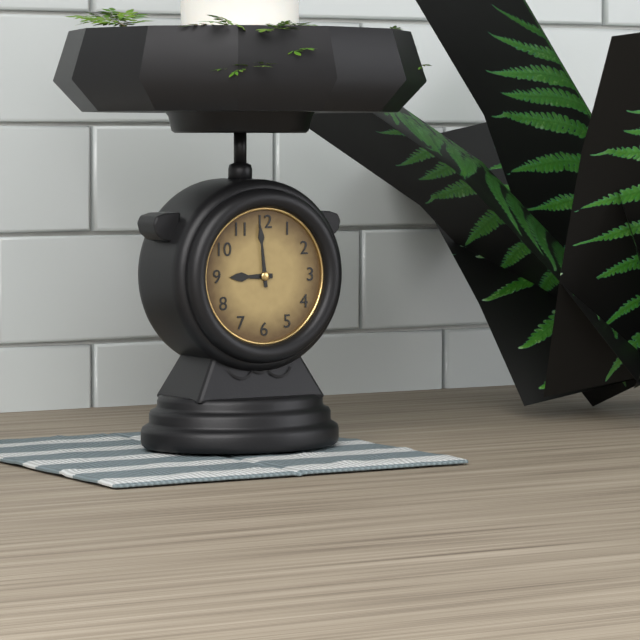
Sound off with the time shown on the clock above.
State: 8:59
